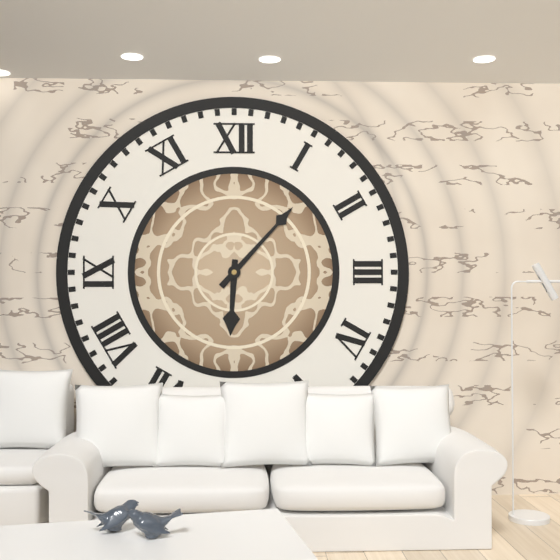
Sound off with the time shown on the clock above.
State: 6:07
